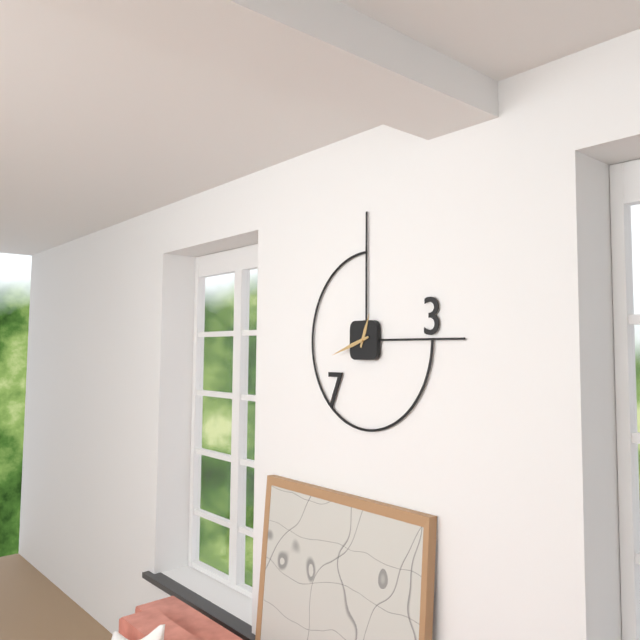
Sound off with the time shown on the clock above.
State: 12:42
